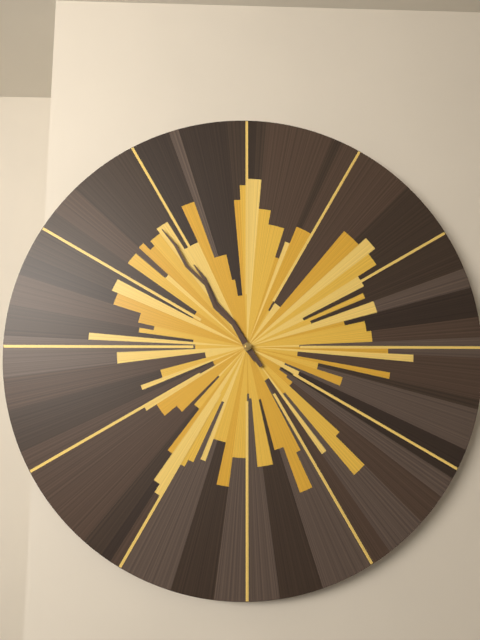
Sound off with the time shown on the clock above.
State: 10:54
